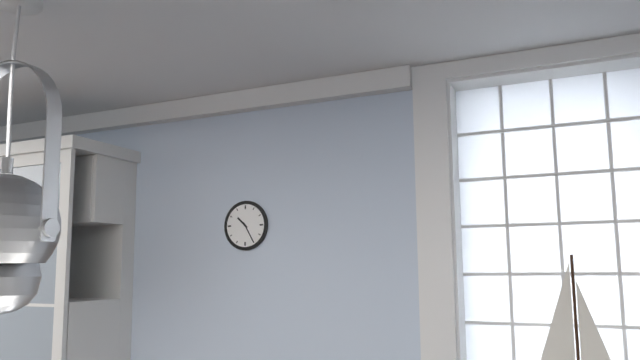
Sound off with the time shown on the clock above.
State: 10:25
